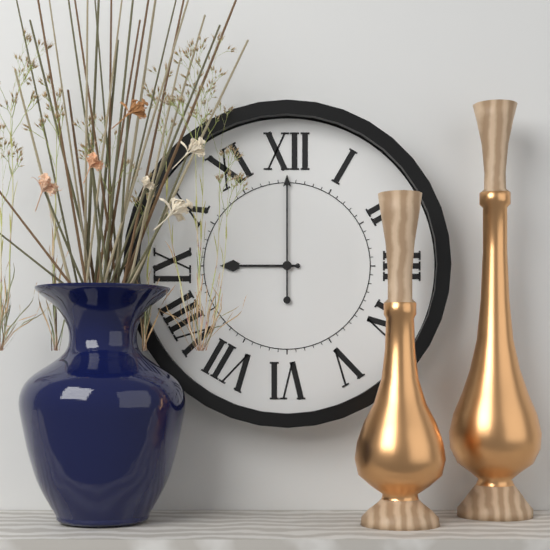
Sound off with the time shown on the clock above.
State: 9:00
